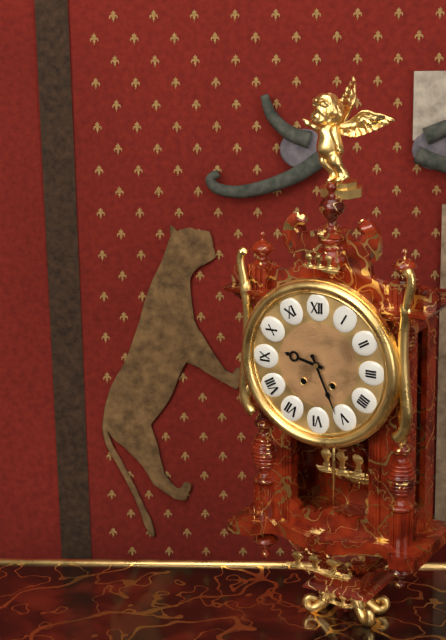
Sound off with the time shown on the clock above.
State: 9:26
